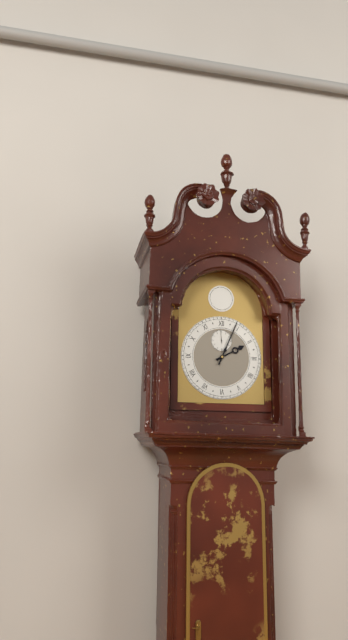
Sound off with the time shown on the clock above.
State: 2:04
